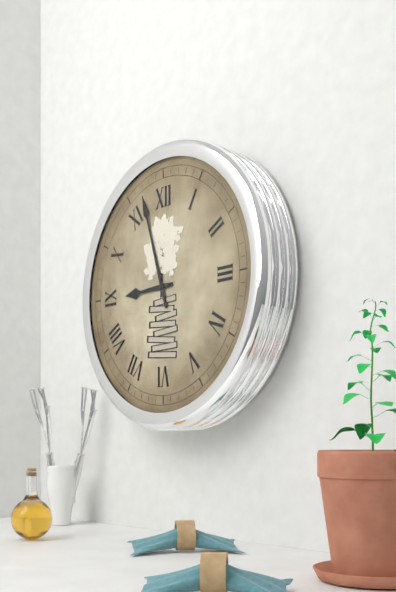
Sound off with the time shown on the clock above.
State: 8:57
